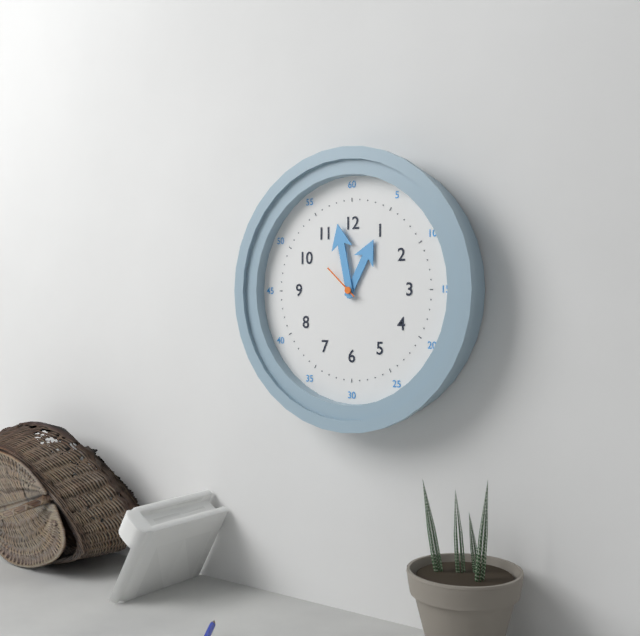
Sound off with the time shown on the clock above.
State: 12:58:52
